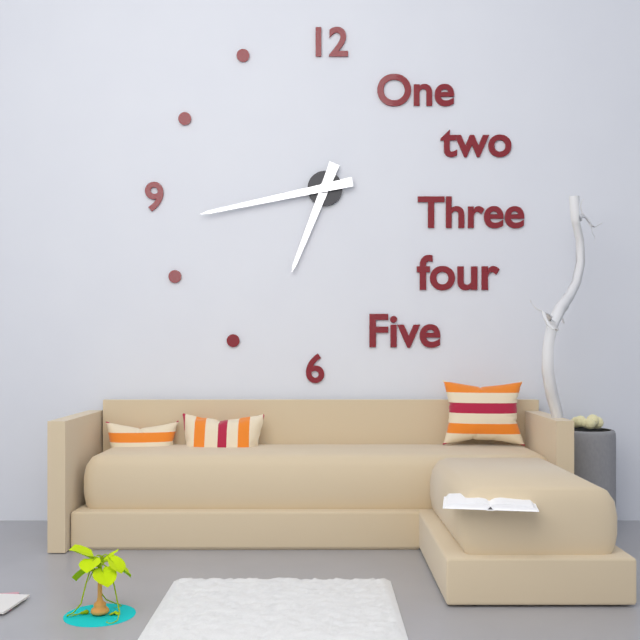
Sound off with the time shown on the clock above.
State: 6:43
